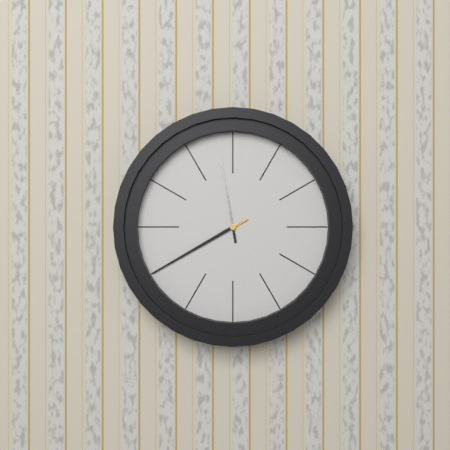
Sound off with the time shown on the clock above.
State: 11:40
